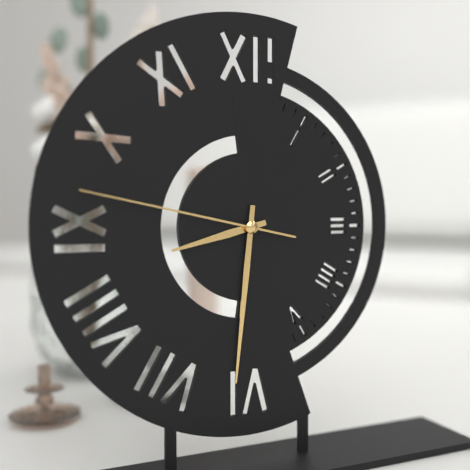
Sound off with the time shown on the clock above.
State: 8:31:47
